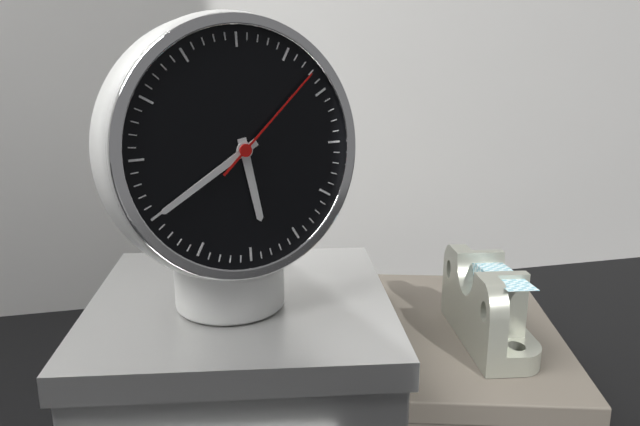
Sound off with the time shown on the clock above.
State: 5:40:08
